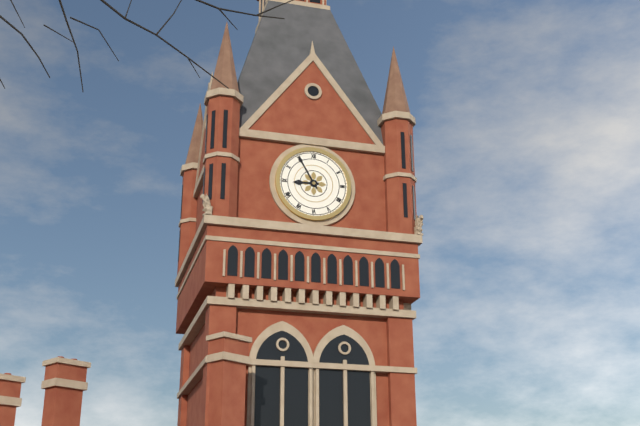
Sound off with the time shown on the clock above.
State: 8:55
